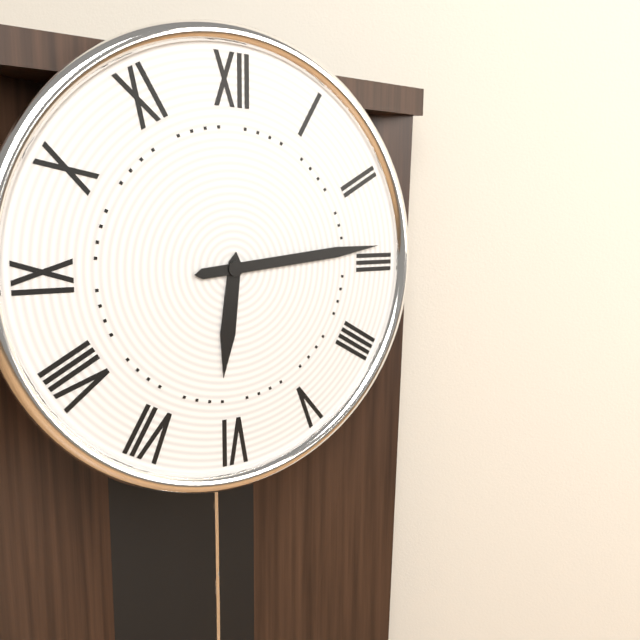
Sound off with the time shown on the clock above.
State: 6:14
